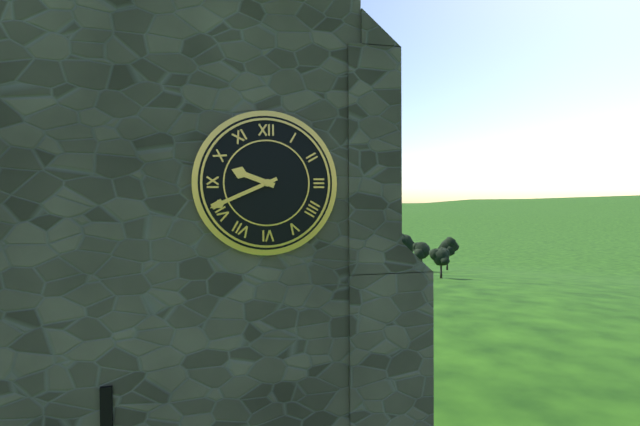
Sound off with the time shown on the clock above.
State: 9:41
